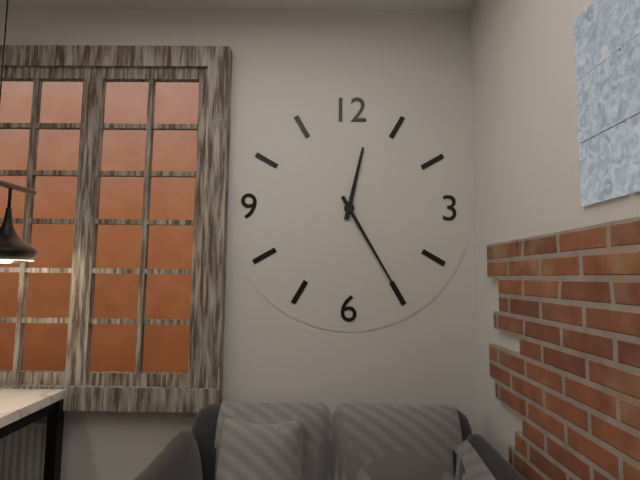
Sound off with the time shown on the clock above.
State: 12:25
